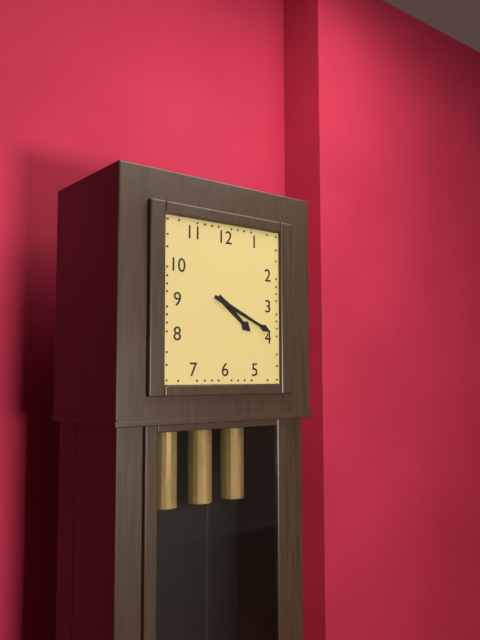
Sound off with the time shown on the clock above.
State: 4:19
